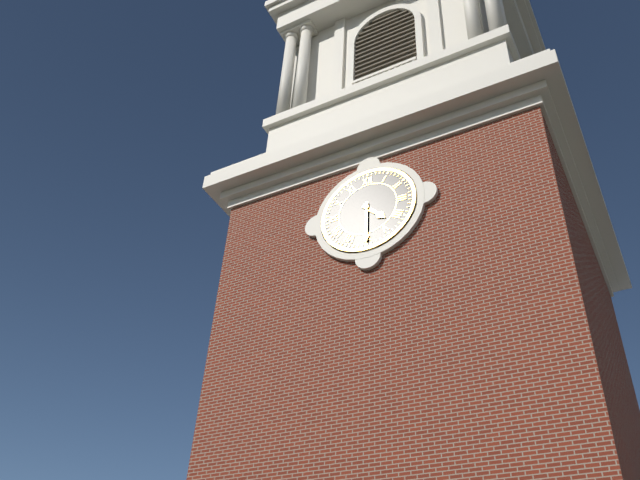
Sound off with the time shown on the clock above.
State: 4:30
